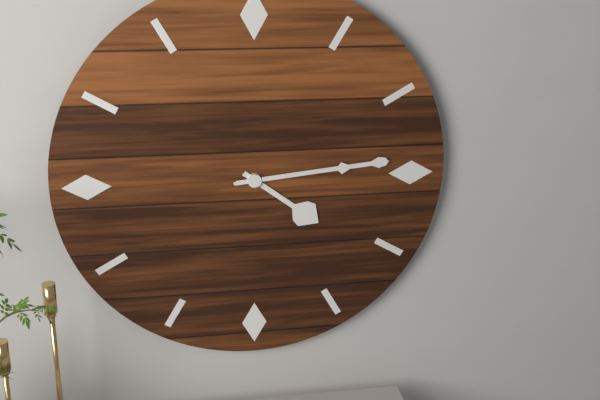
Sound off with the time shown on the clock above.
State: 4:14:14
